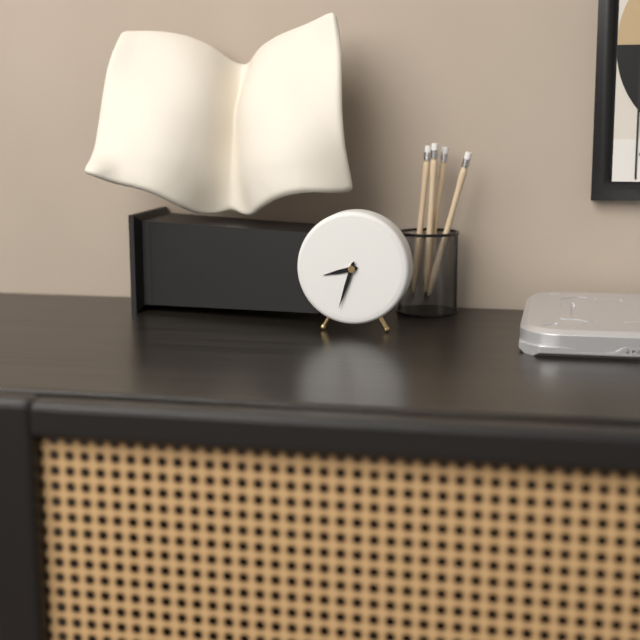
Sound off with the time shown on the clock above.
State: 8:33
